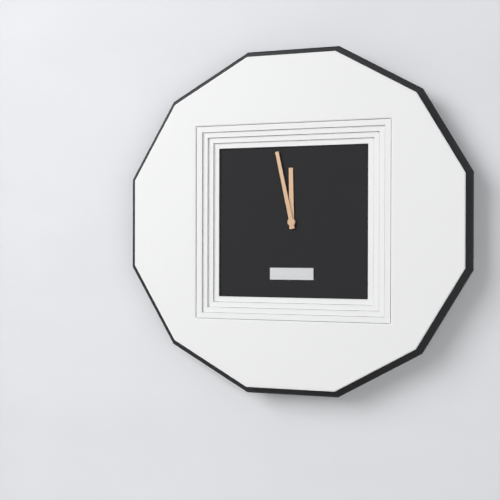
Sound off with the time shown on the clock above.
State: 11:58
